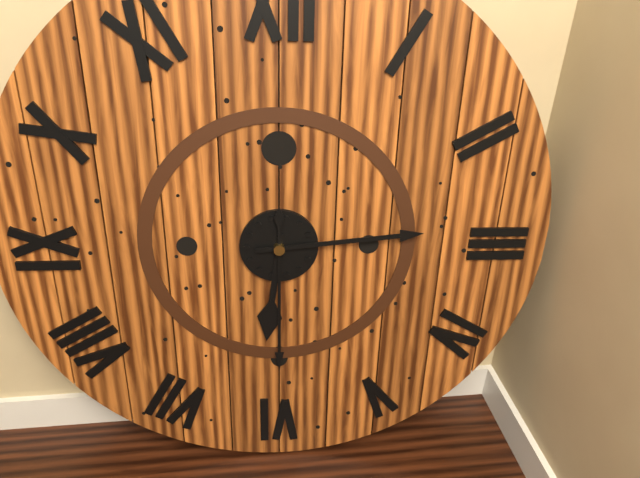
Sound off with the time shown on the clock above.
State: 6:14:30
